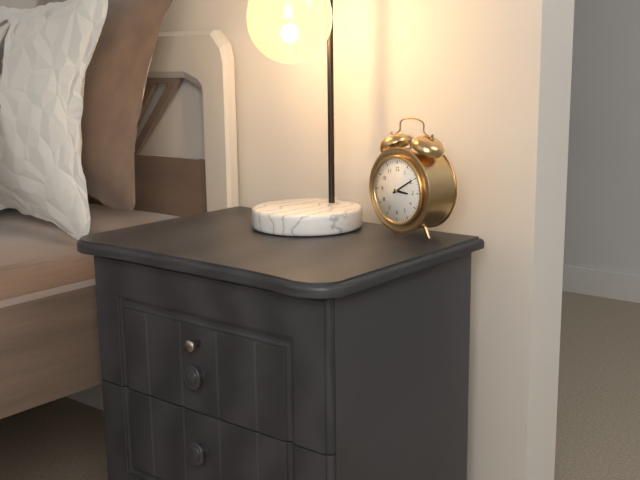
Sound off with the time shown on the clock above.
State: 3:10
